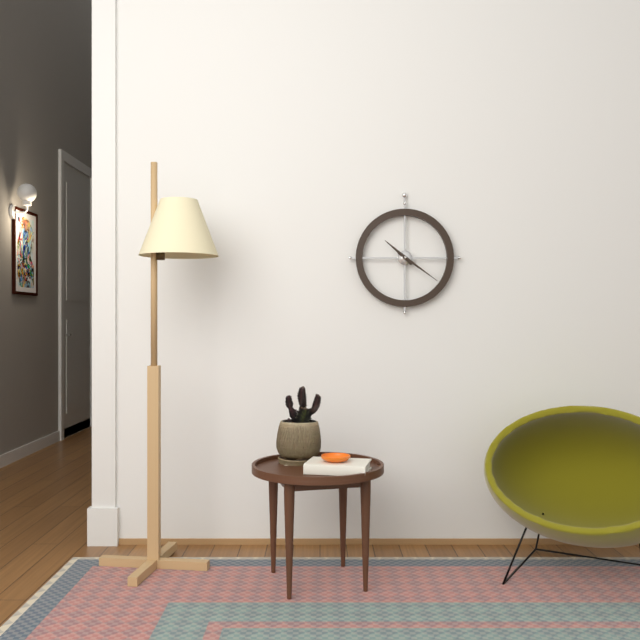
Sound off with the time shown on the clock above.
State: 10:21
